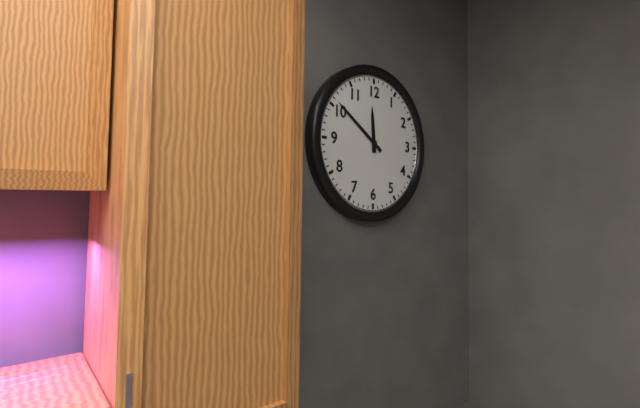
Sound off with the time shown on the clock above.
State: 11:51
